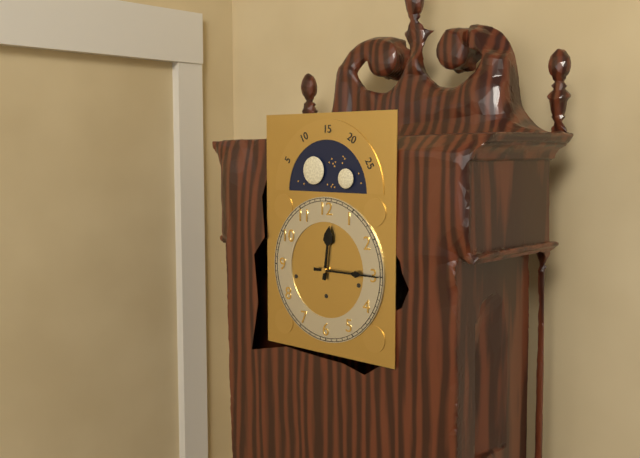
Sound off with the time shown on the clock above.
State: 12:15
